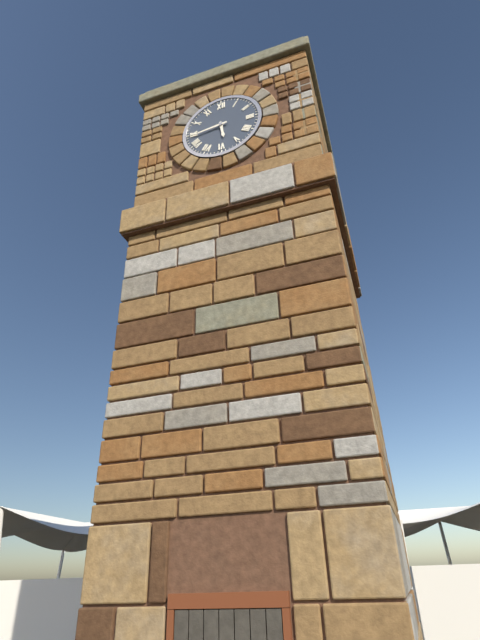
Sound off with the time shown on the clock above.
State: 5:44
